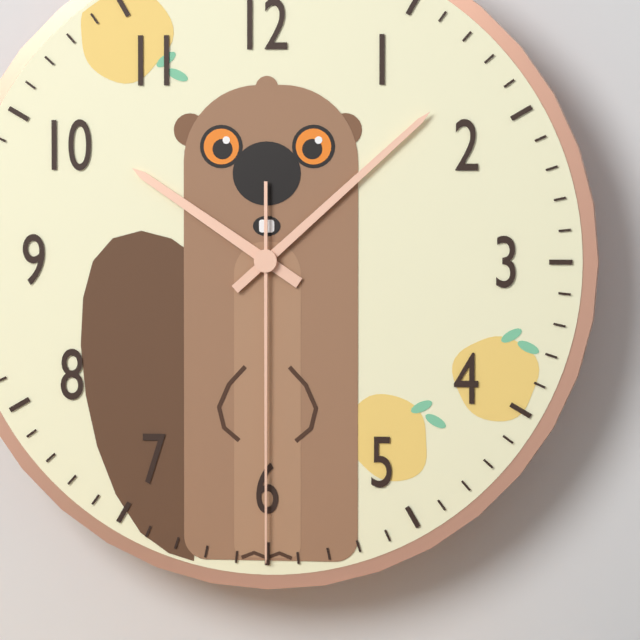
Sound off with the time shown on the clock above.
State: 10:08:30
